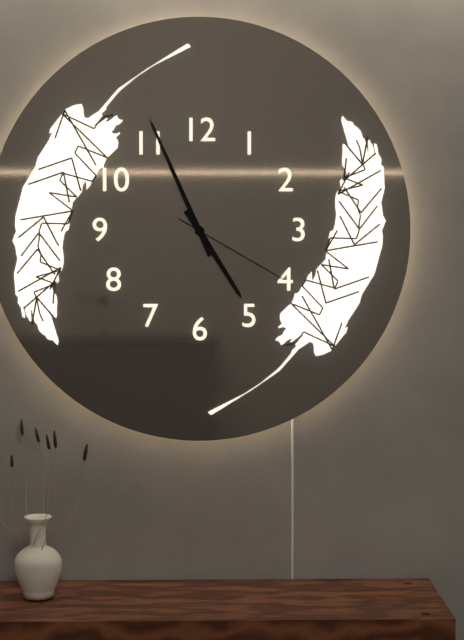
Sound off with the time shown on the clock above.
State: 4:56:20
